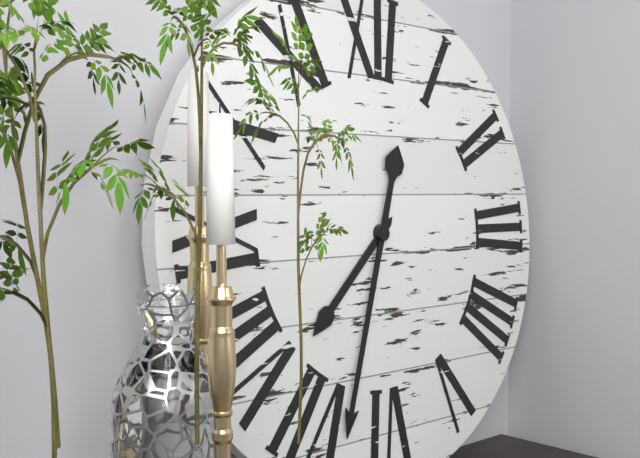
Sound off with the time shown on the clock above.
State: 7:33
